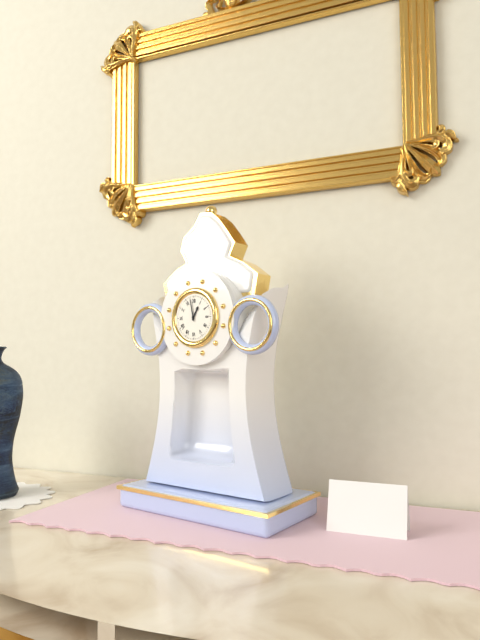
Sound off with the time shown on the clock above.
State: 12:58
